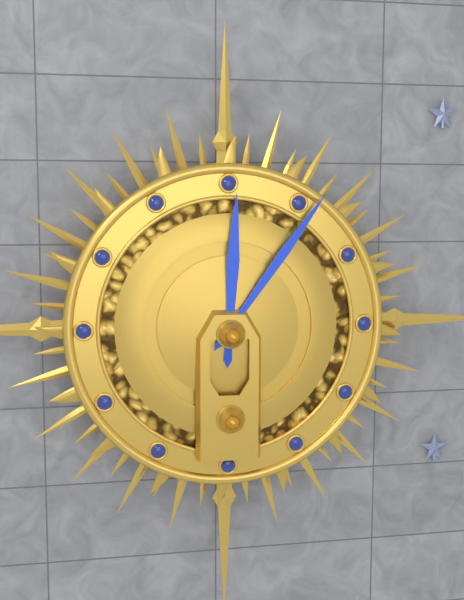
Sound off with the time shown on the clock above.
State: 12:06
